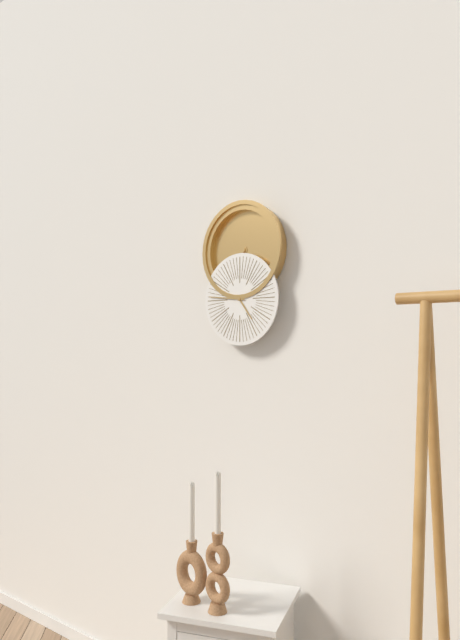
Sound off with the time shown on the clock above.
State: 4:46
